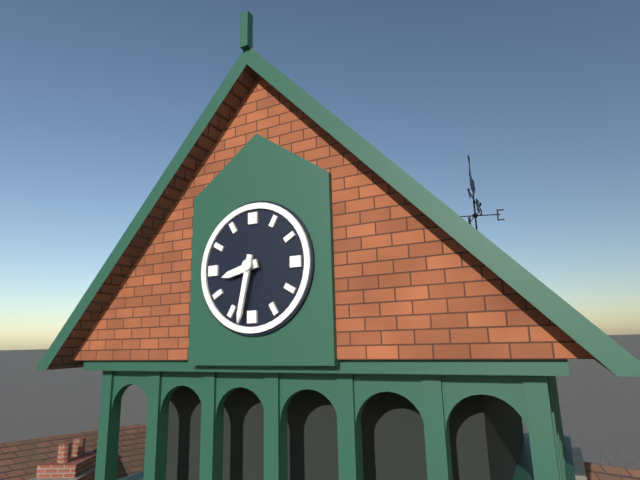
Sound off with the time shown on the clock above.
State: 8:32
